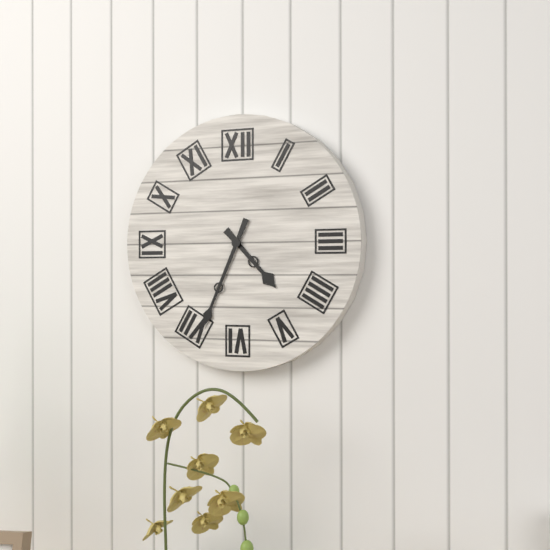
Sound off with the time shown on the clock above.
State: 4:34
